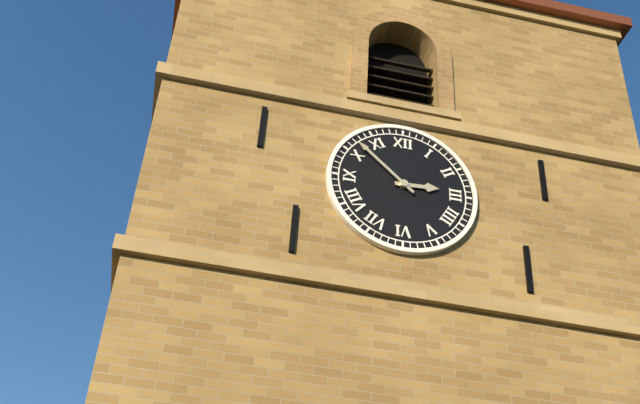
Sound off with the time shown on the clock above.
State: 2:52
